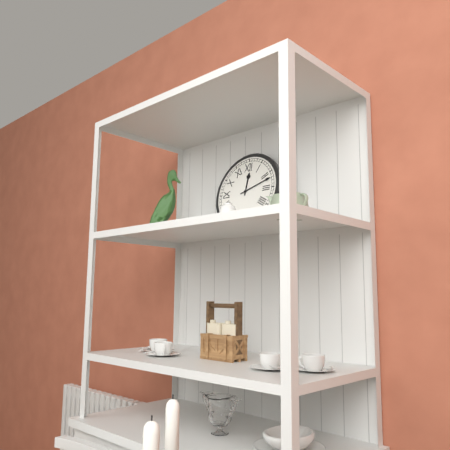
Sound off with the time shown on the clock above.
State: 12:12
